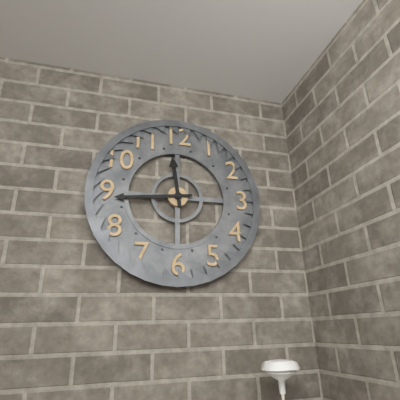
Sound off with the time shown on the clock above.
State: 11:44
